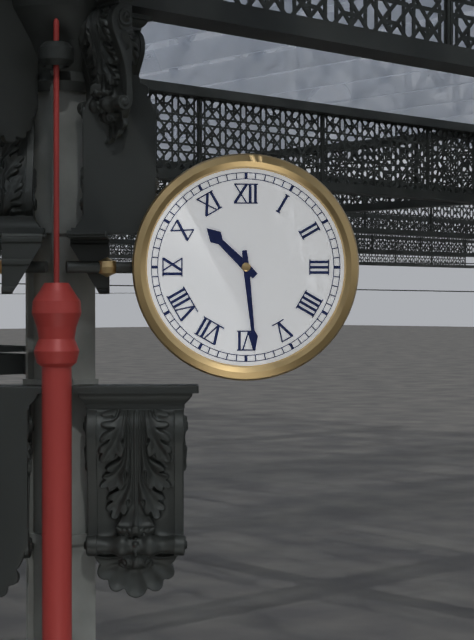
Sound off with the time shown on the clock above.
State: 10:29
